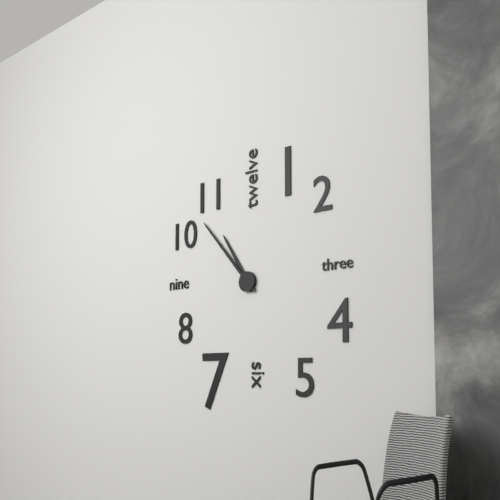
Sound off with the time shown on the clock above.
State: 10:53
